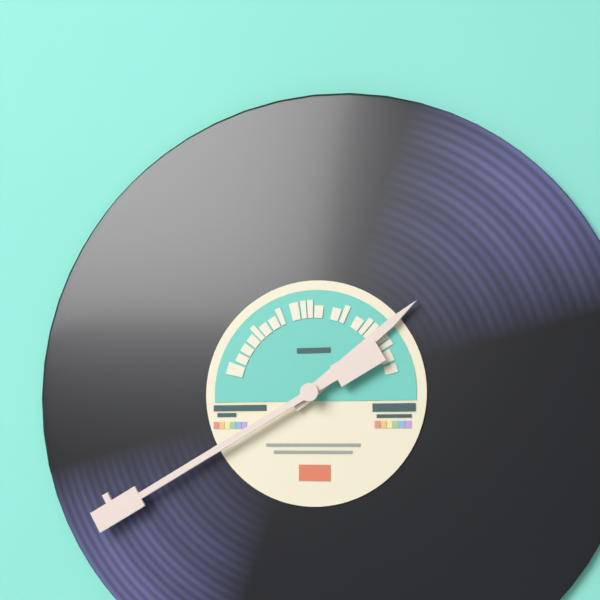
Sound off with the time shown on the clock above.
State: 1:40
